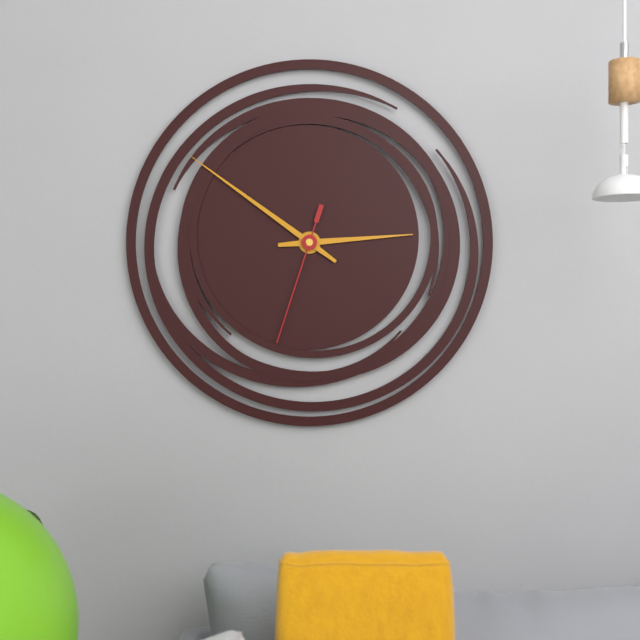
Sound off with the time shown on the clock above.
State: 2:51:33
